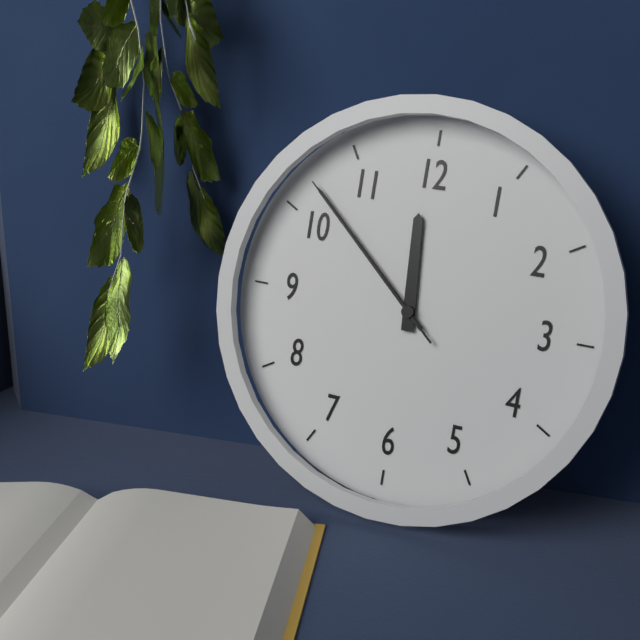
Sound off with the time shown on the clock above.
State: 11:52:52
